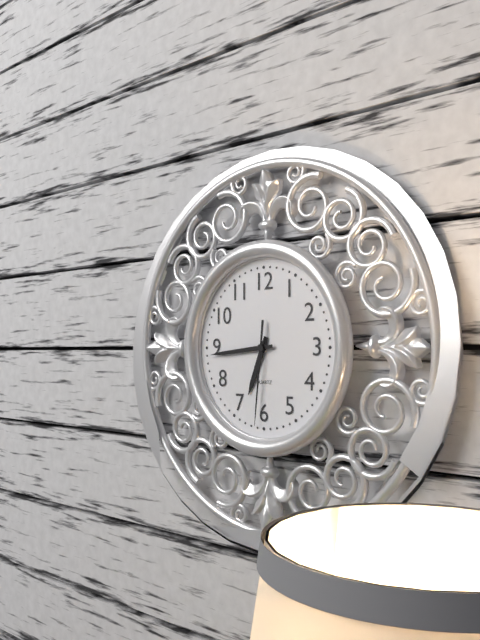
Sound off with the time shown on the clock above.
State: 6:44:31
